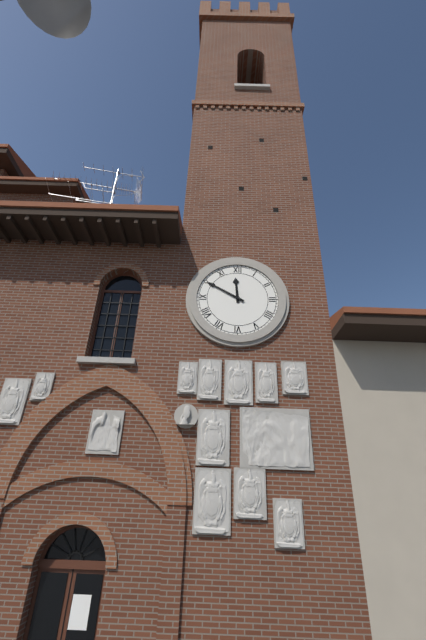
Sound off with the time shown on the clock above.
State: 11:50
